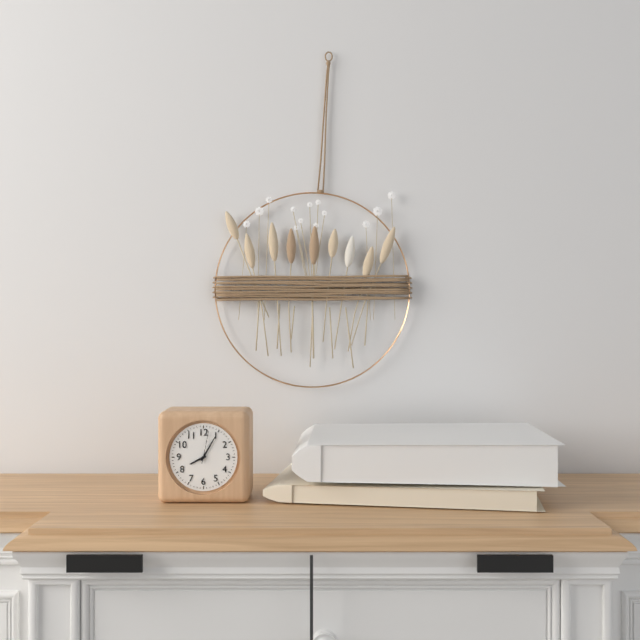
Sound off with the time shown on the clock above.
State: 8:05
